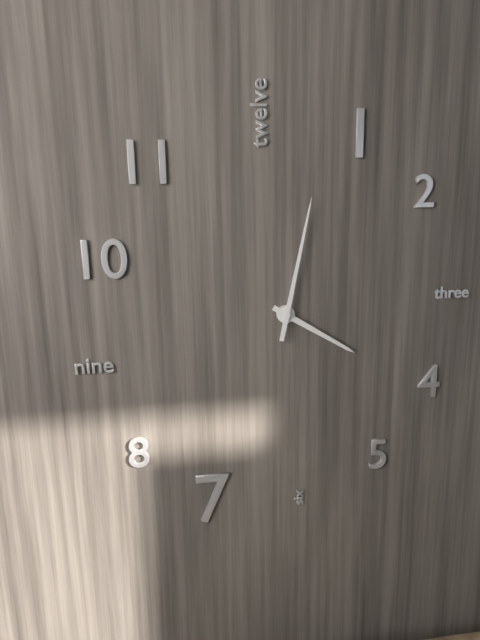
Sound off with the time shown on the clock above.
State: 4:02
